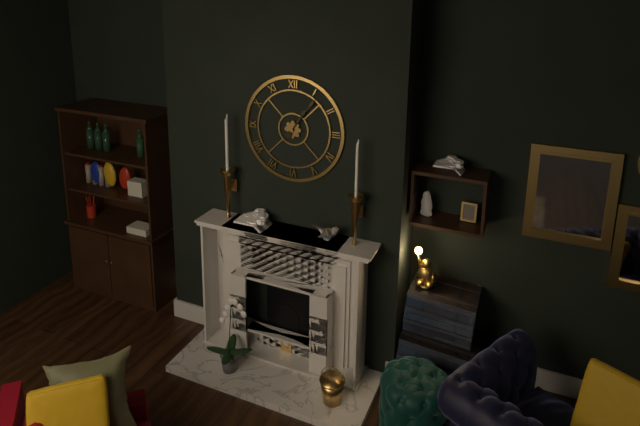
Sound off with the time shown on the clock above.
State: 1:06
